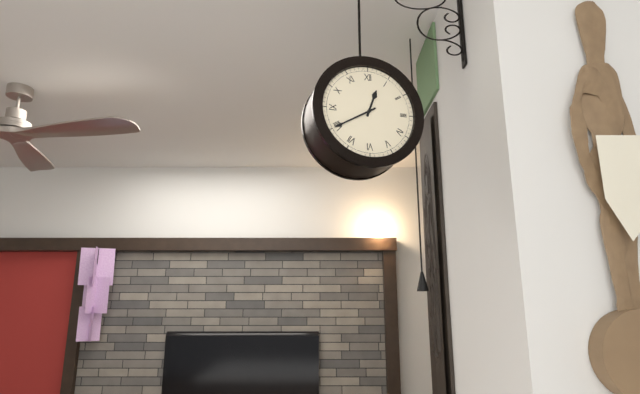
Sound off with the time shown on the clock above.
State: 12:40
